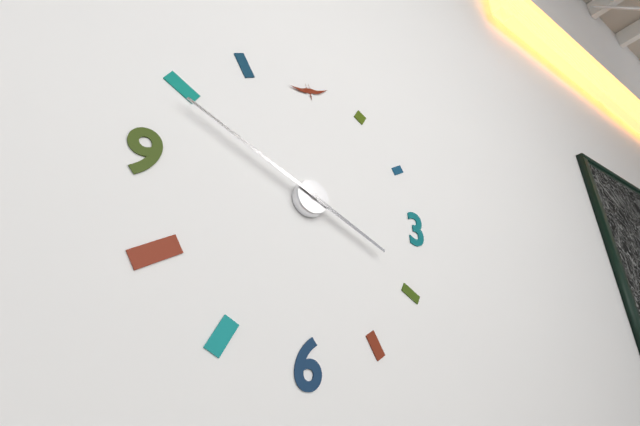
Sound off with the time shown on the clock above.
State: 3:49
